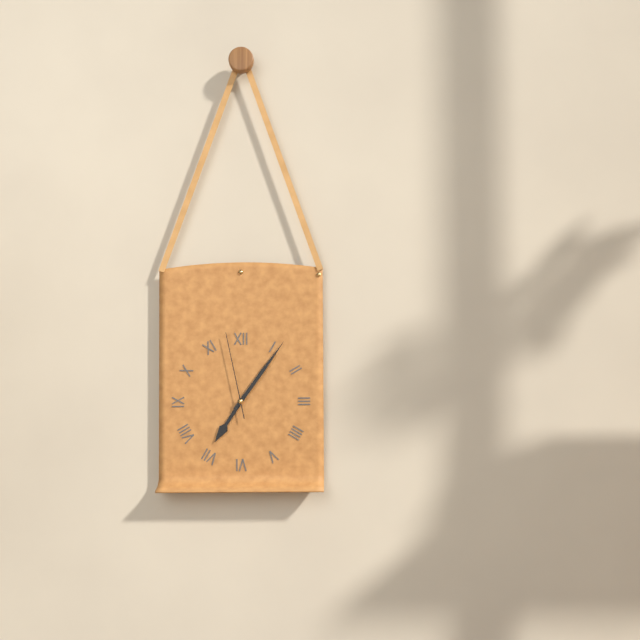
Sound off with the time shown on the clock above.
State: 7:06:58
